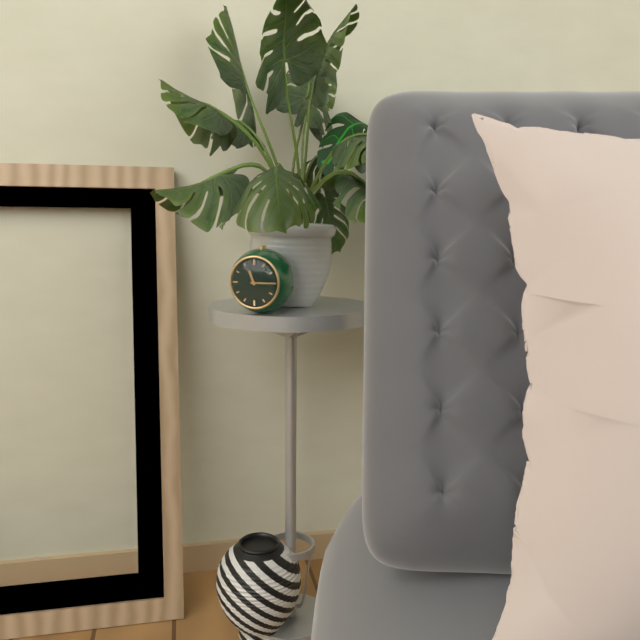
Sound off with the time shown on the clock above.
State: 11:15
